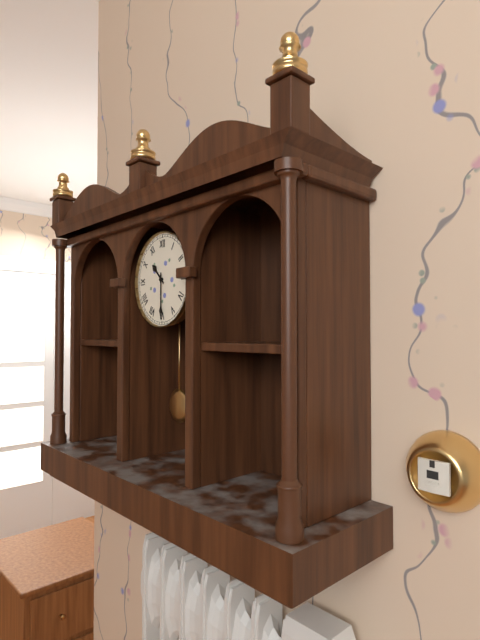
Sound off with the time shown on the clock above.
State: 10:30
